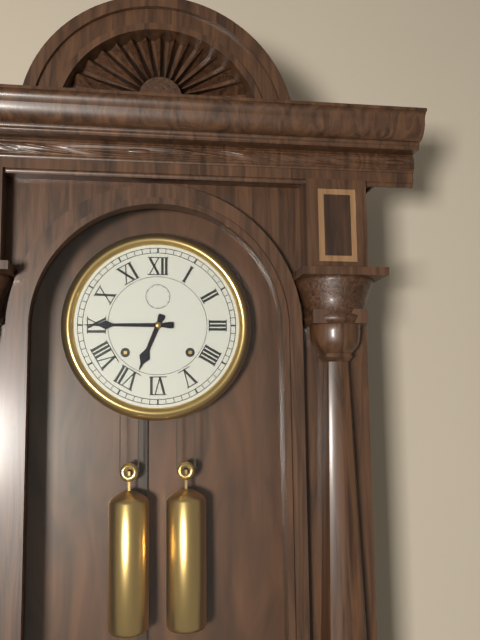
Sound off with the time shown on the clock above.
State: 6:45
